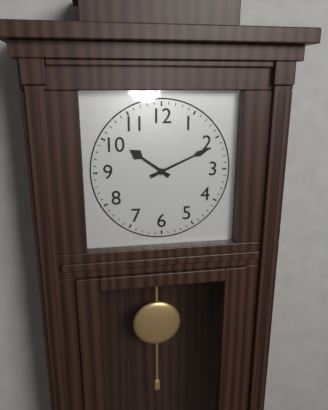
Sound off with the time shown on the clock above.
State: 10:11
